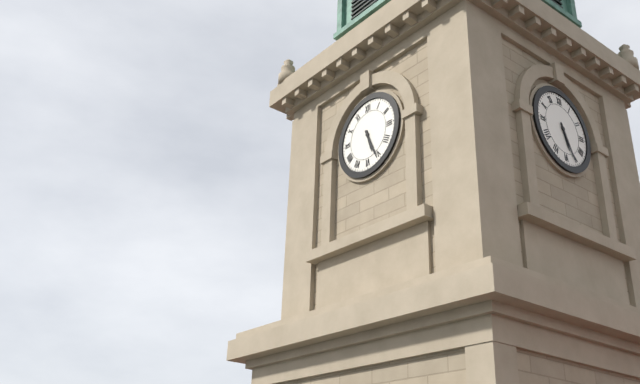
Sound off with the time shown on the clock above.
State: 5:26
